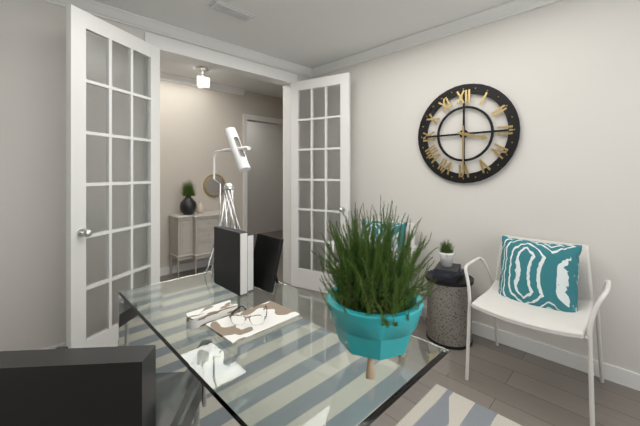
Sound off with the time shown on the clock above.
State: 3:30
